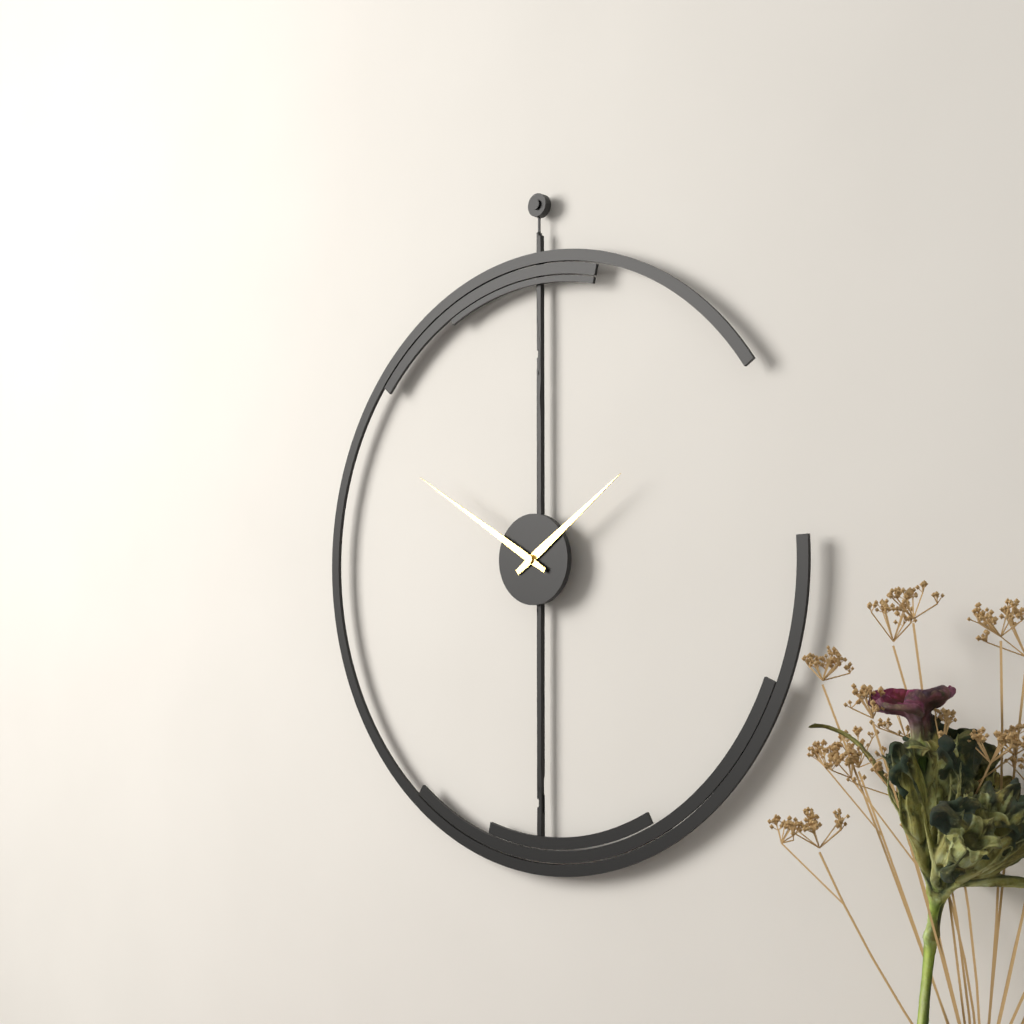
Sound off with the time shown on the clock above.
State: 1:50
